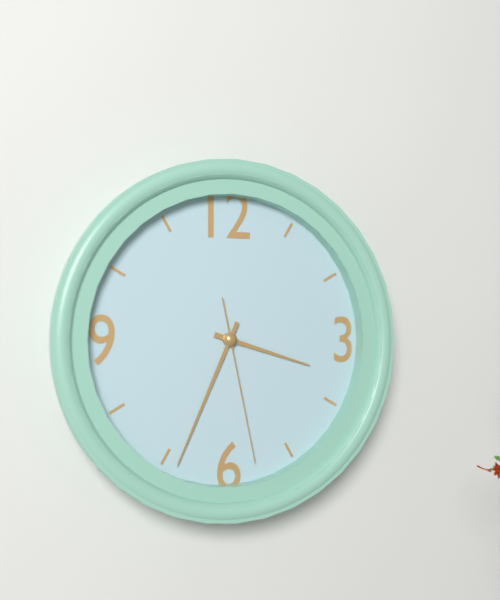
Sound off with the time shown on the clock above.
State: 3:34:28
